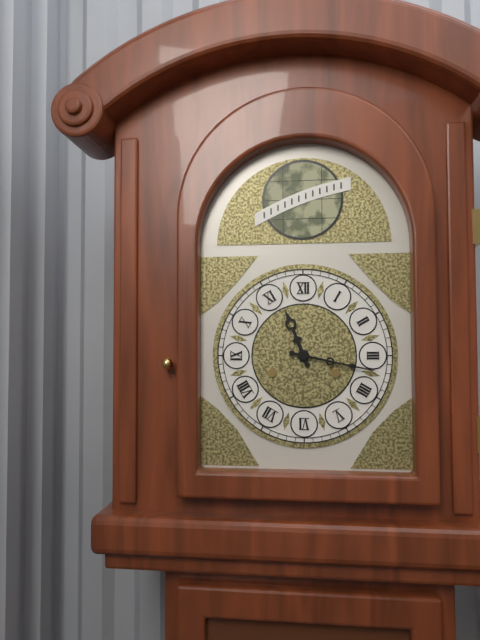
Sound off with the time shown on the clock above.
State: 11:17
